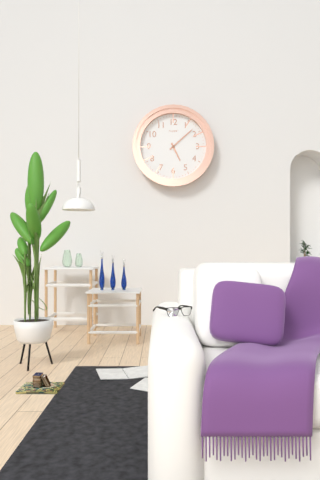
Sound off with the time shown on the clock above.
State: 5:08
